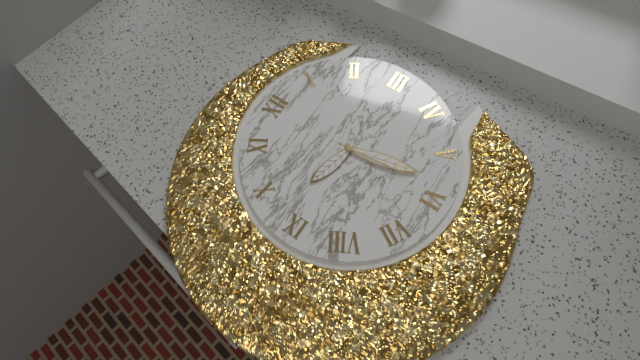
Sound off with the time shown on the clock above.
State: 9:28:29
